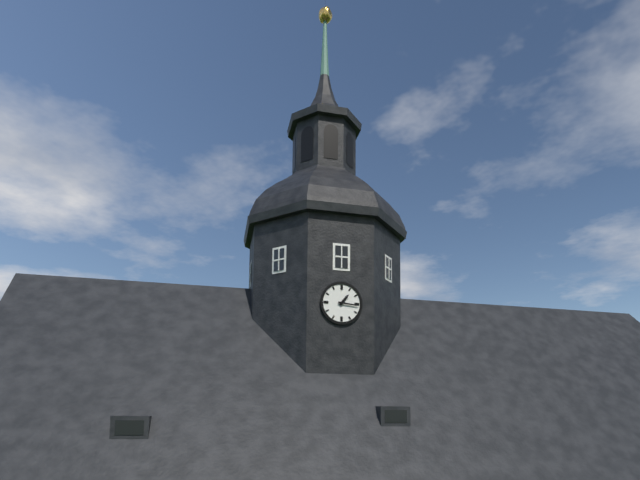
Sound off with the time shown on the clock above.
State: 1:16
